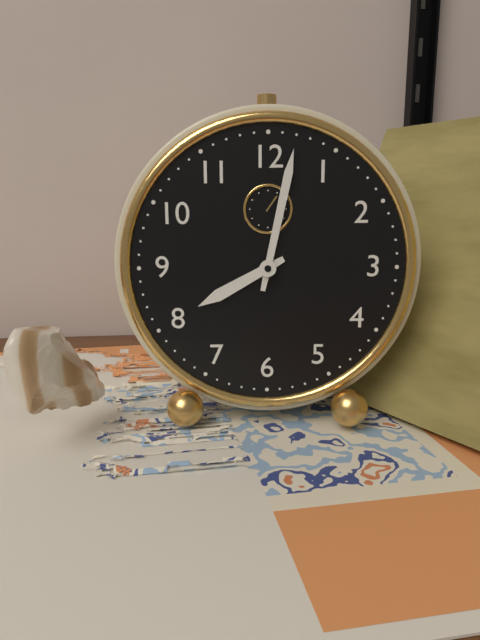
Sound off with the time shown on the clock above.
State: 8:02
